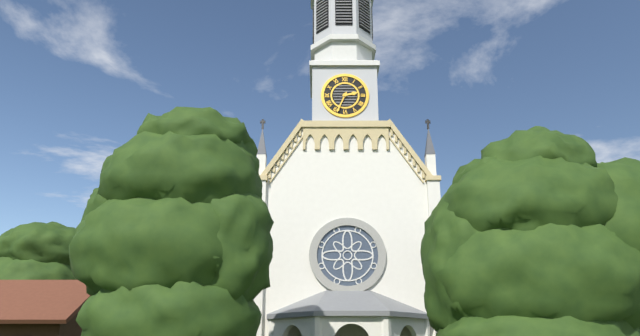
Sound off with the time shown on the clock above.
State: 2:34
